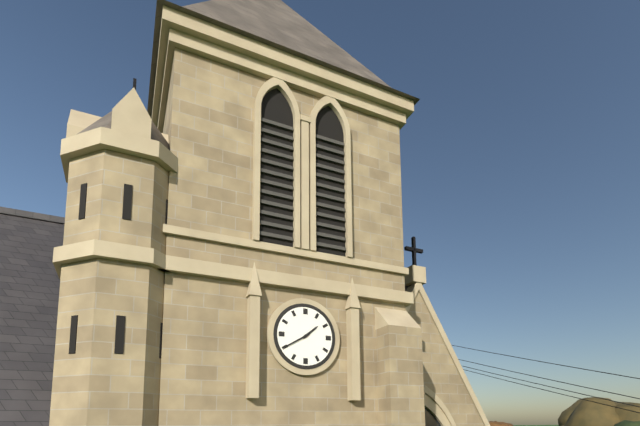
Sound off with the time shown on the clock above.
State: 1:40
